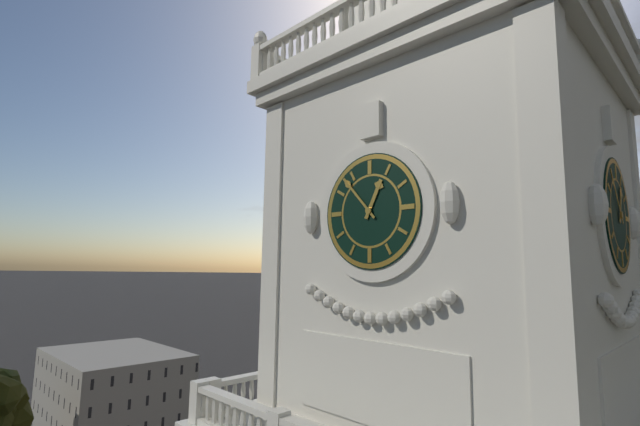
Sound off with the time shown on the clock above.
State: 12:53
